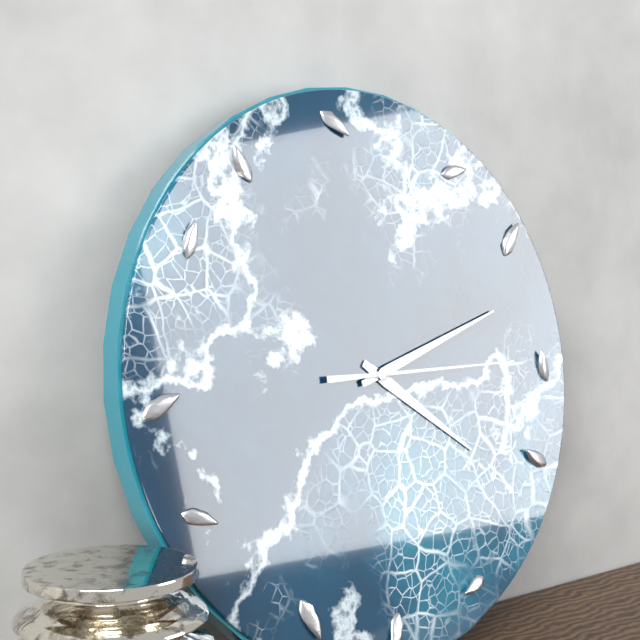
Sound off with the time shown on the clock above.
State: 4:12:15
